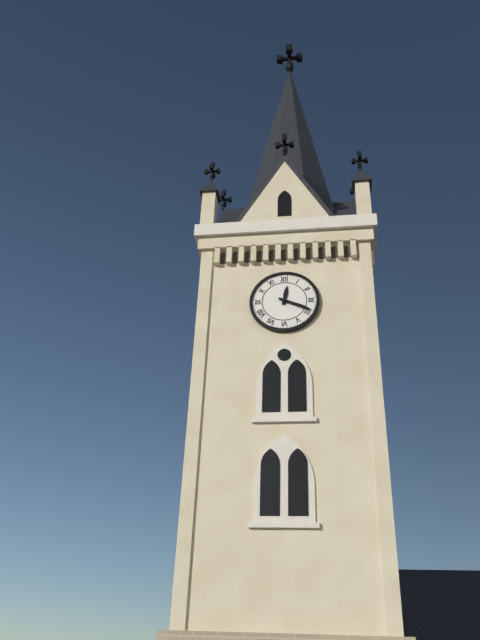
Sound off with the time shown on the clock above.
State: 12:19
